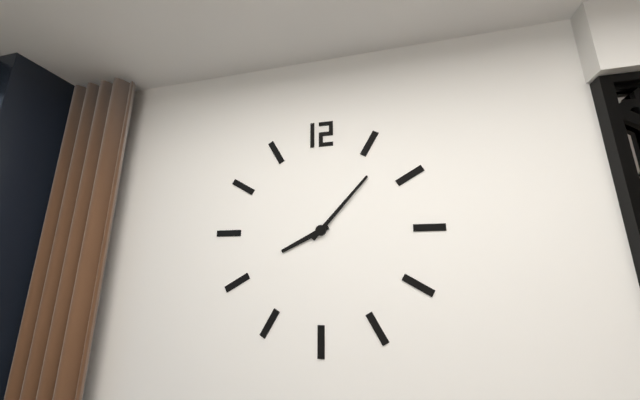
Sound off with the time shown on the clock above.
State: 8:07
